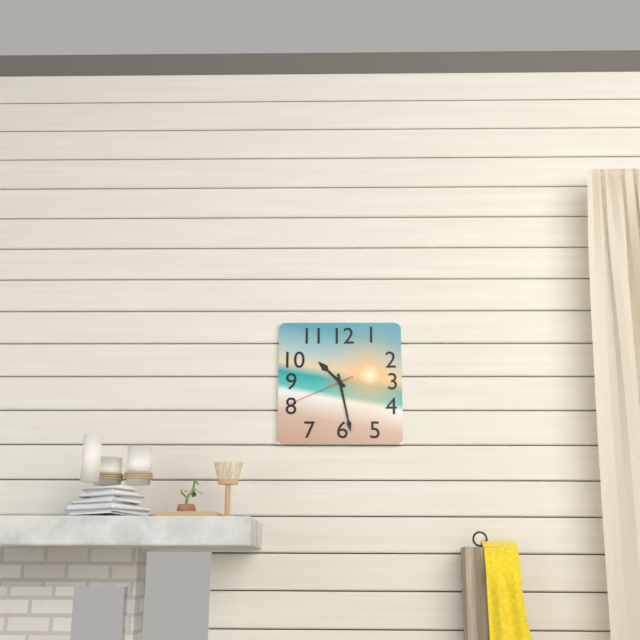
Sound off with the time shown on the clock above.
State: 10:28:41
